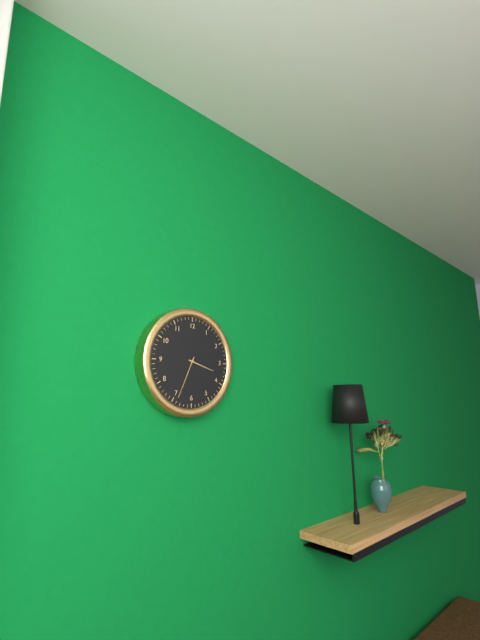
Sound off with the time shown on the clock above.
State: 3:34
